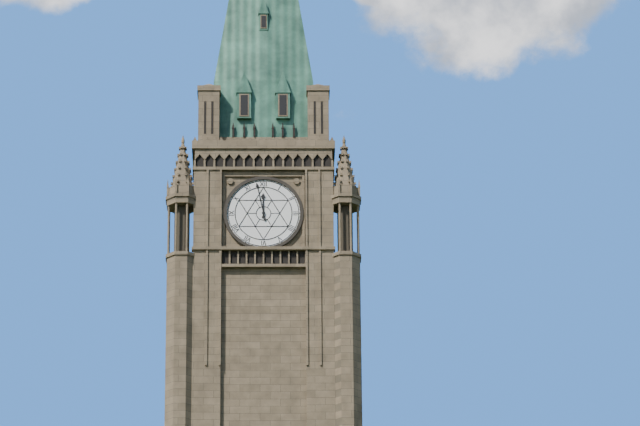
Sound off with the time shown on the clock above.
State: 11:58
